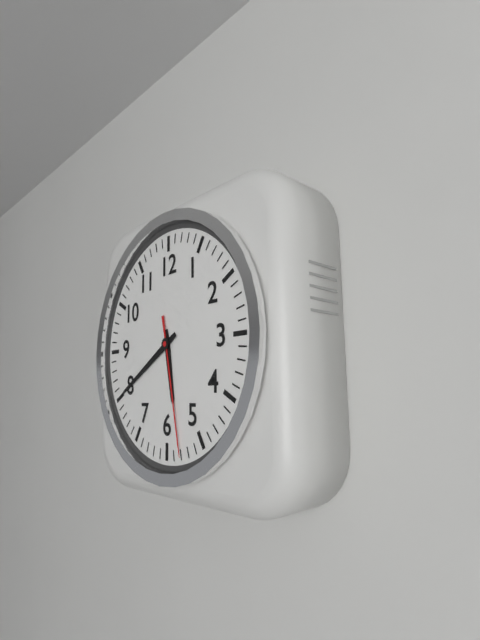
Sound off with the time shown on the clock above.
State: 5:40:28
